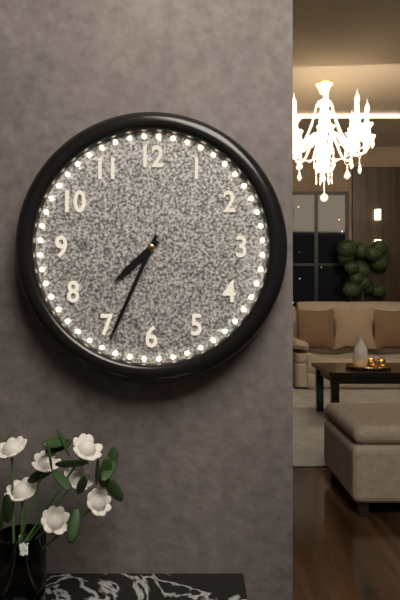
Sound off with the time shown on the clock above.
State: 7:34
